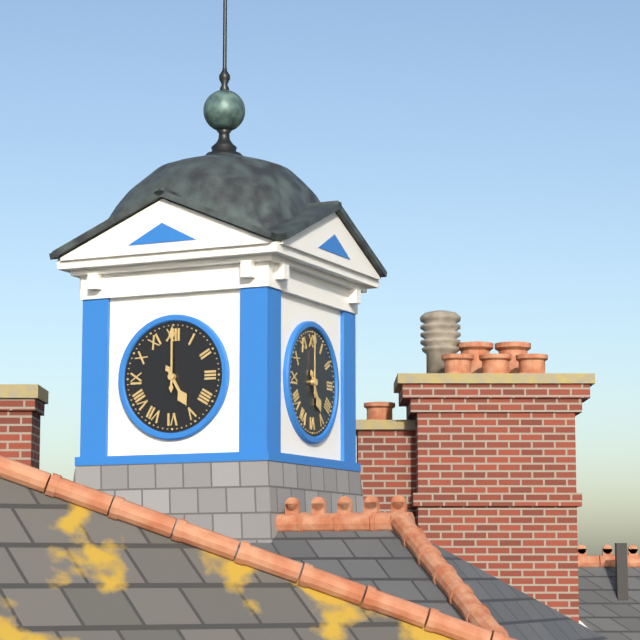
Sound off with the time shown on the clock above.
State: 5:00
